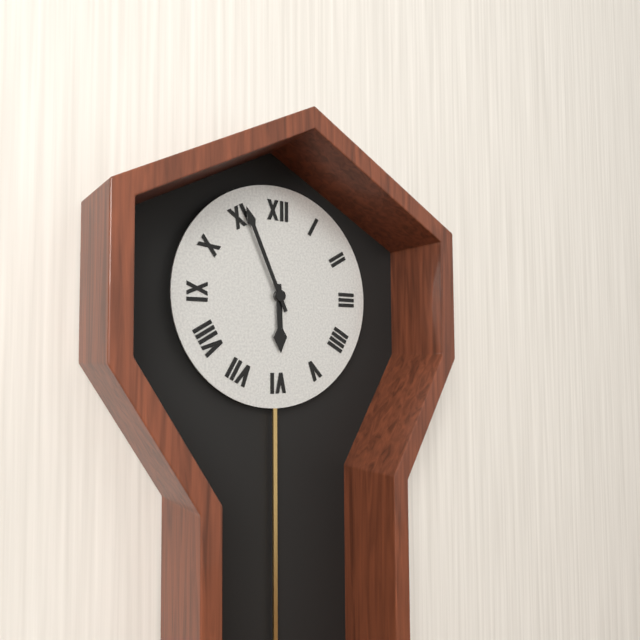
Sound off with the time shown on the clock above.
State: 5:56
